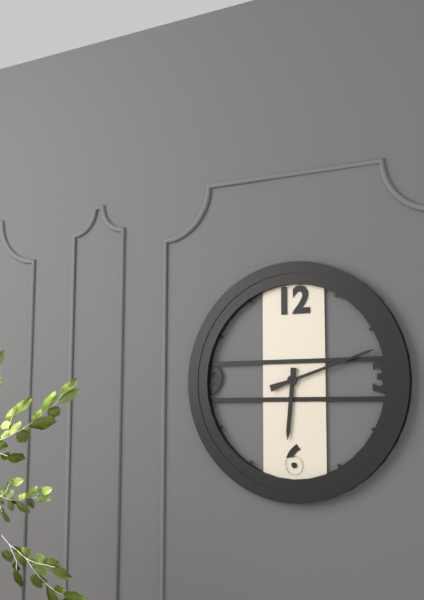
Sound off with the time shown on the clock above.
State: 6:12
